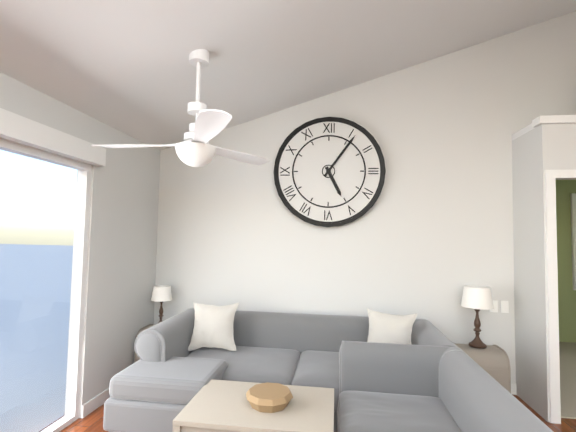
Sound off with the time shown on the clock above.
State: 5:06
